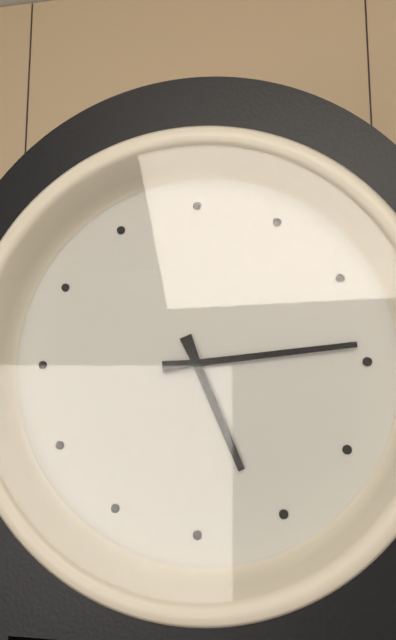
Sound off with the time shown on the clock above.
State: 5:14
